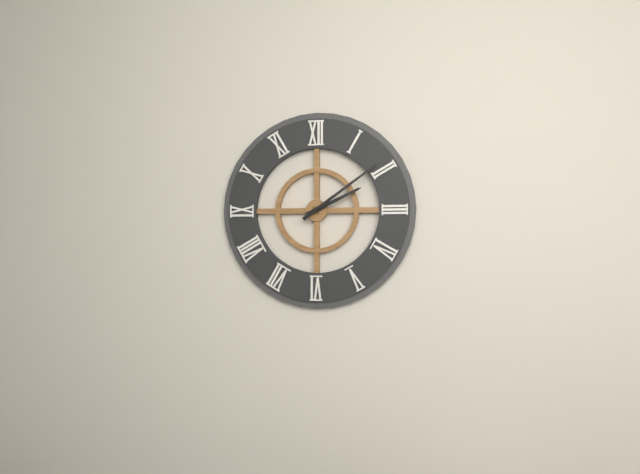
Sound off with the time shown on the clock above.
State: 2:09
